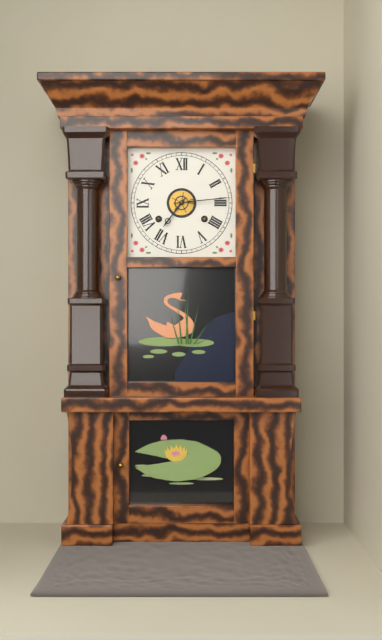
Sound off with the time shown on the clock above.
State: 7:14
